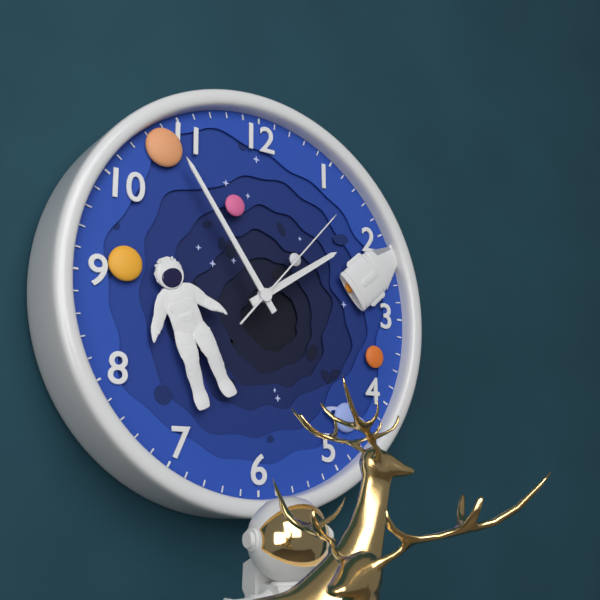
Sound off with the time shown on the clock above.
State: 1:54:07
